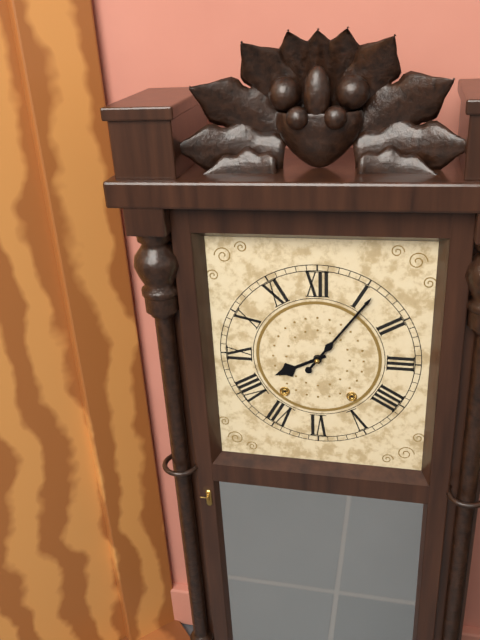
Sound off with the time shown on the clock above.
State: 8:06
